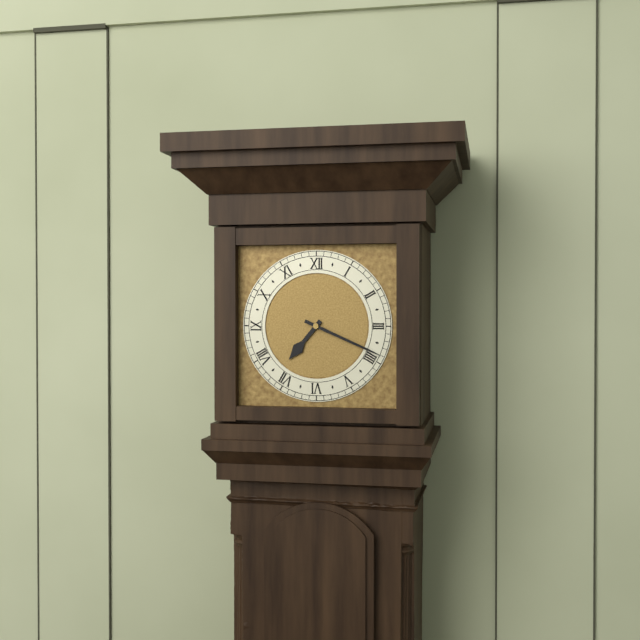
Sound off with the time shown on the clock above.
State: 7:19
